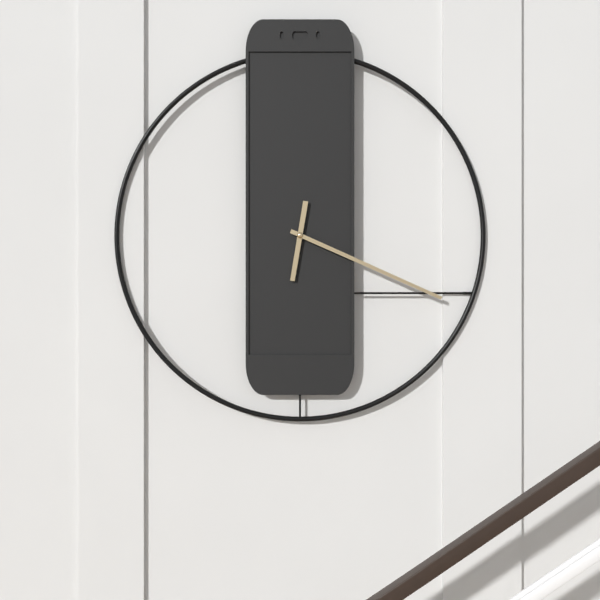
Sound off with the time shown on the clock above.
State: 6:19
